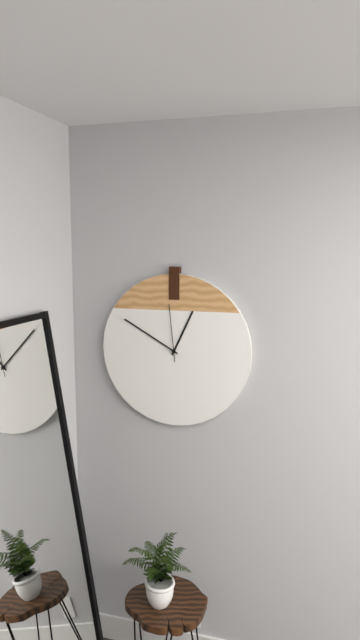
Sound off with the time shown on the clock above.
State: 12:50:59
